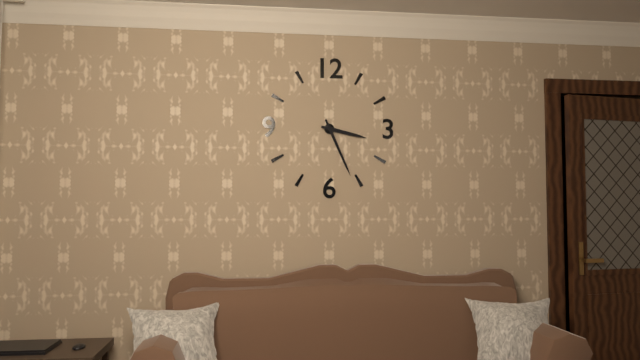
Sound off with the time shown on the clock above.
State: 3:26
